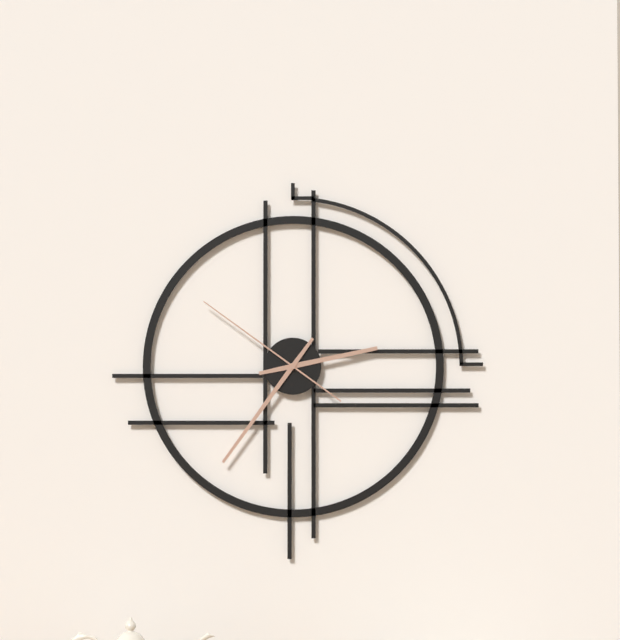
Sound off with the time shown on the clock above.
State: 2:36:51
